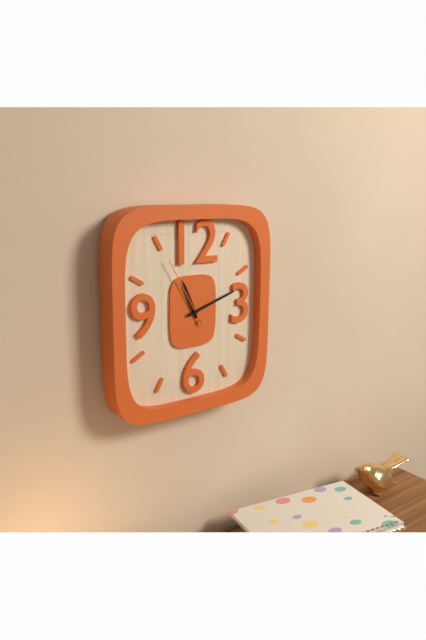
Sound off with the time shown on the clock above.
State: 11:12:55
